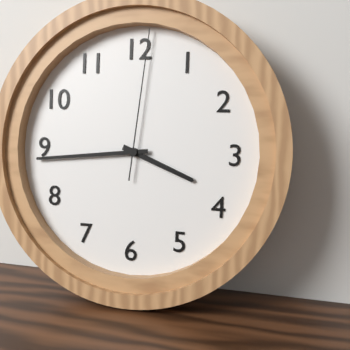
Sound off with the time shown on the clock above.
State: 3:44:01
